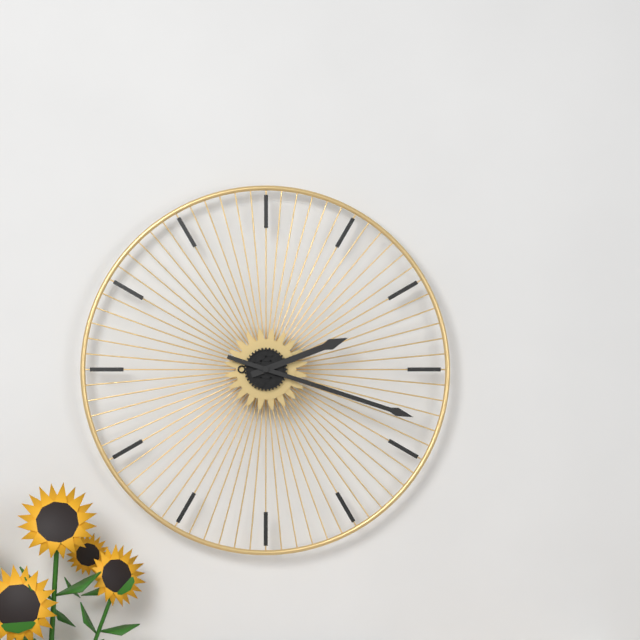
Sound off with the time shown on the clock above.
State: 2:18
